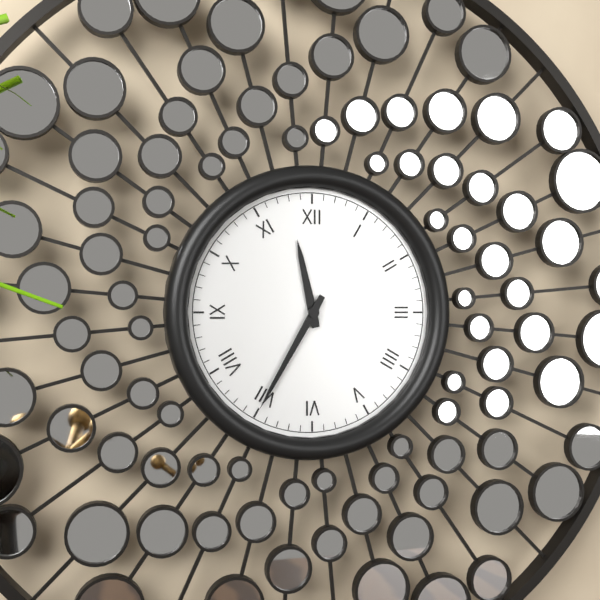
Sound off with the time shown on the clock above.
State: 11:35
